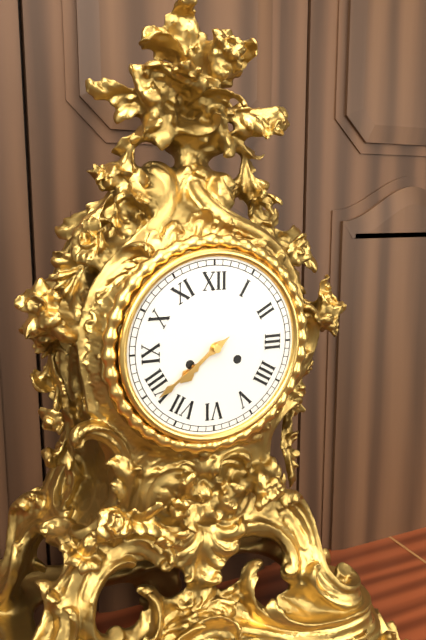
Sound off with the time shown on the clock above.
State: 7:39
